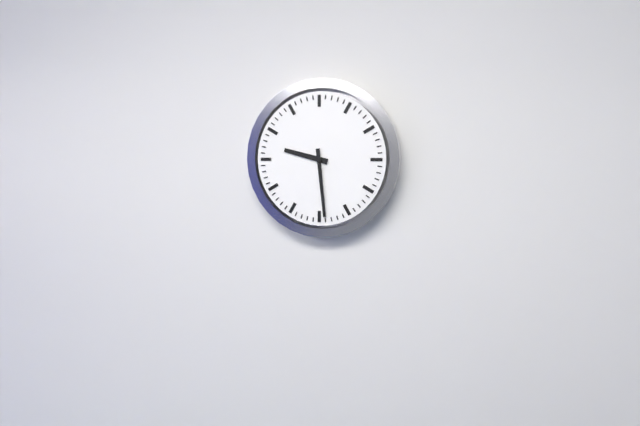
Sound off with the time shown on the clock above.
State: 9:29
